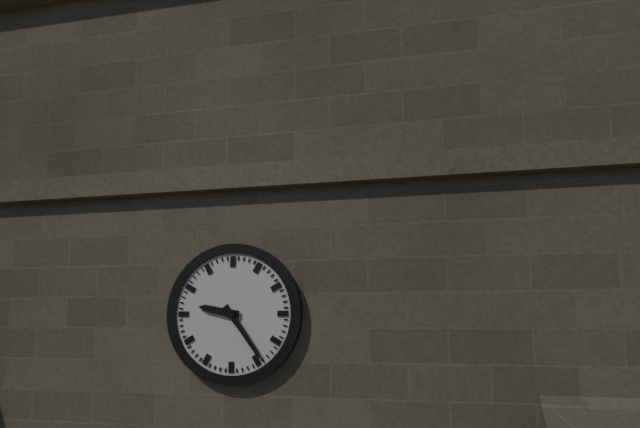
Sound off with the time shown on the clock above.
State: 9:24
